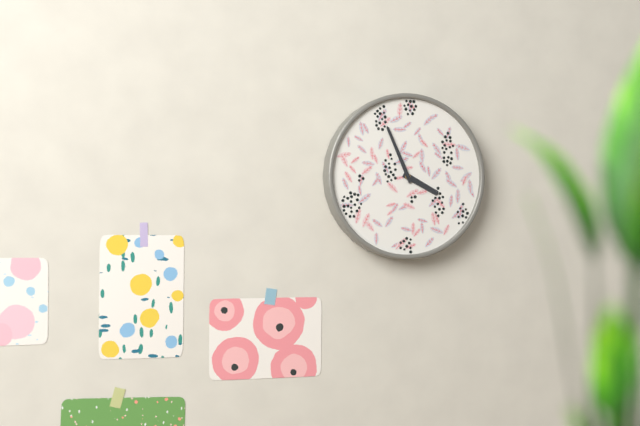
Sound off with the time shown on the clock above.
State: 3:56
